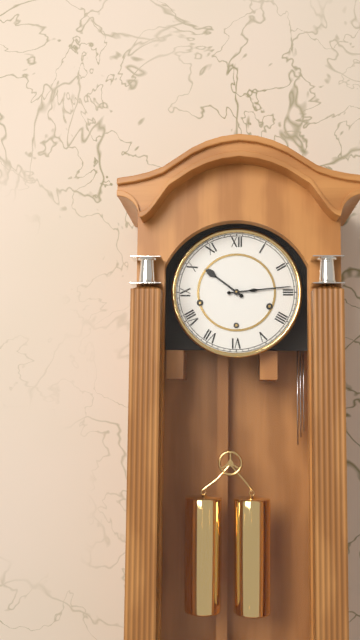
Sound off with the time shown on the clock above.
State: 10:14
